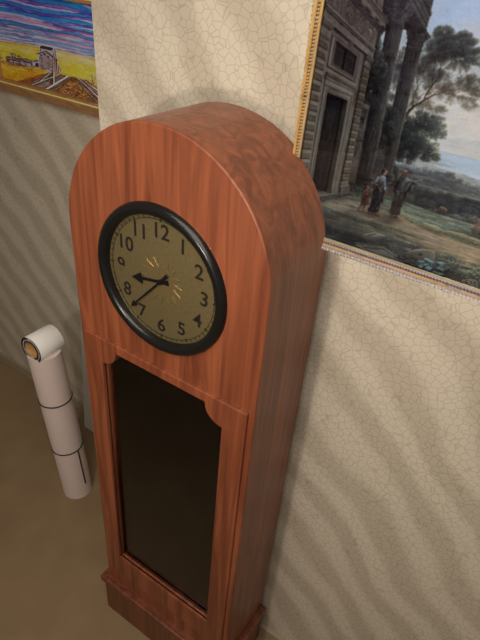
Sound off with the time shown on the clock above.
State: 8:37
